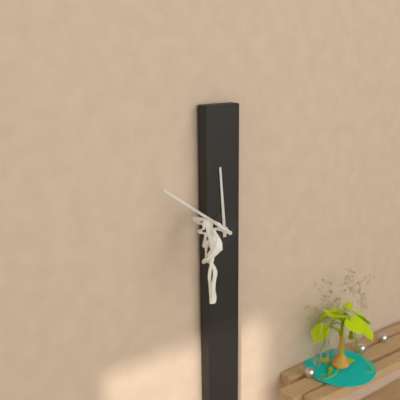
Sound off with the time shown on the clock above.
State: 11:51
